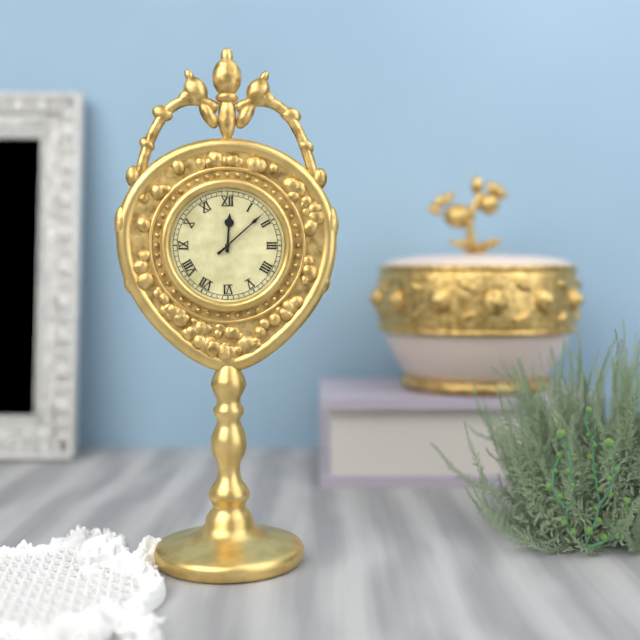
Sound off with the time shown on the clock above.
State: 12:08
